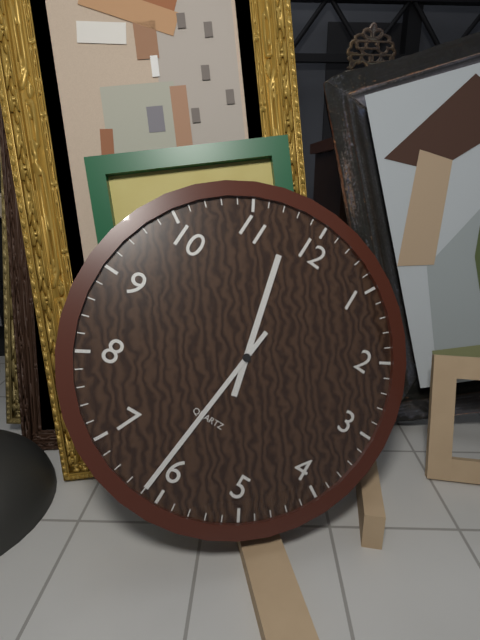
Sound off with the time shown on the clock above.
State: 11:31
